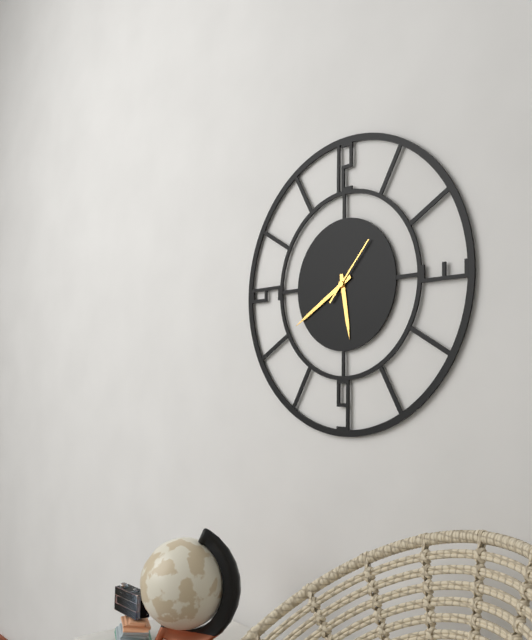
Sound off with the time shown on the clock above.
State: 5:40:07
